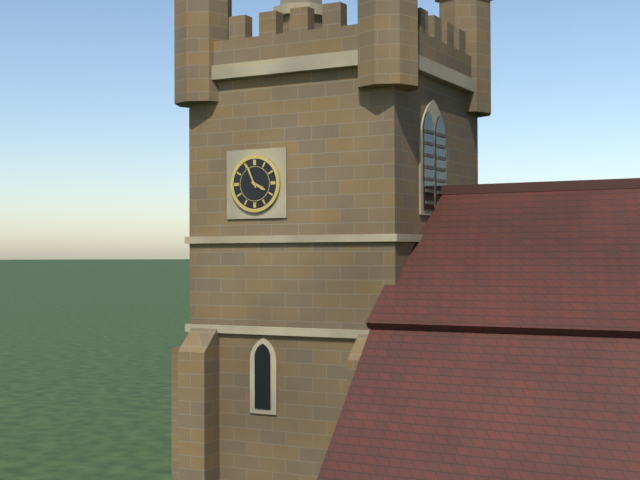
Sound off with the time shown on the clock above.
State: 3:56
